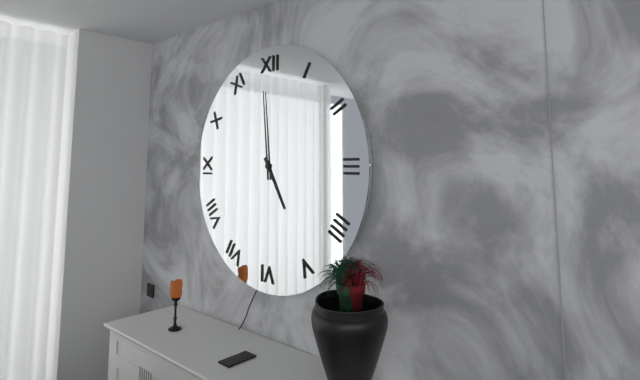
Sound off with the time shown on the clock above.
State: 4:59
